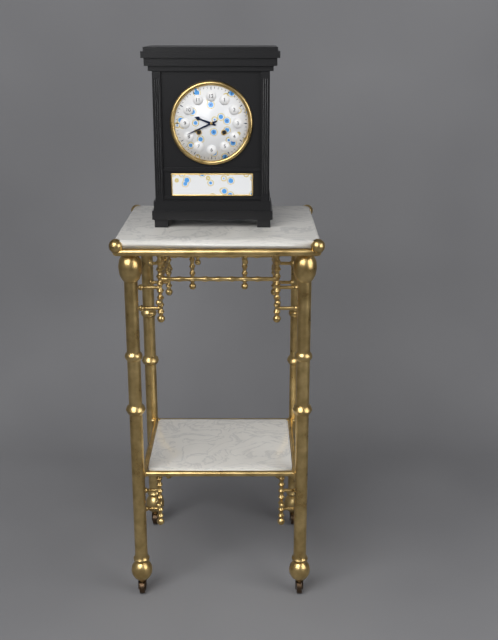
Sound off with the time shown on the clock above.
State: 9:41
